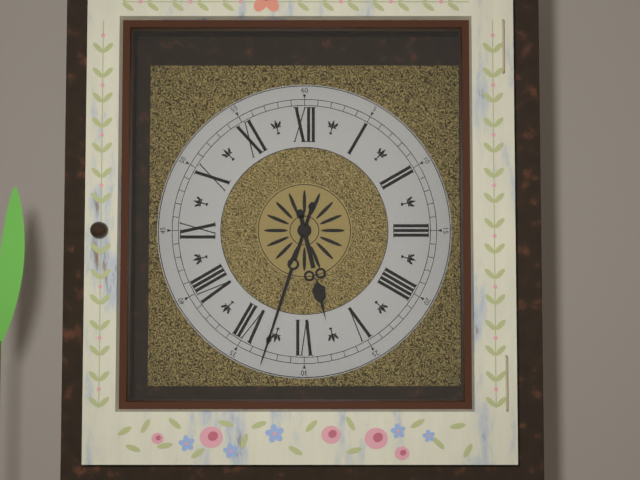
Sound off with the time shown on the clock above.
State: 5:33
